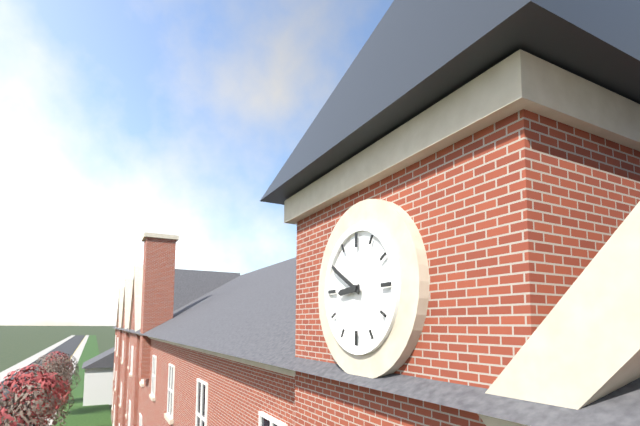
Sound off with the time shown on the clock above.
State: 8:50
